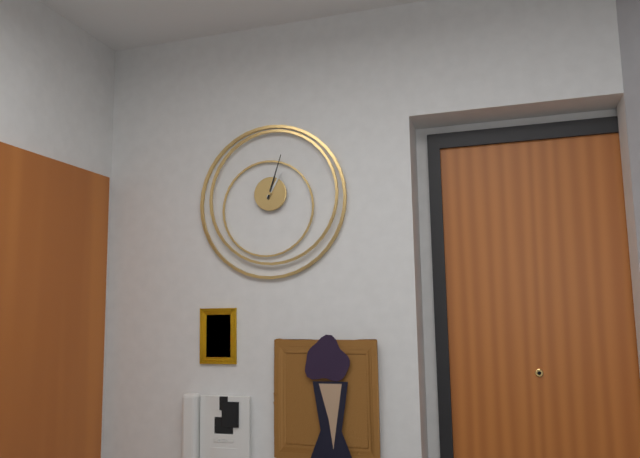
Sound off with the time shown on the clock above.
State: 1:03
